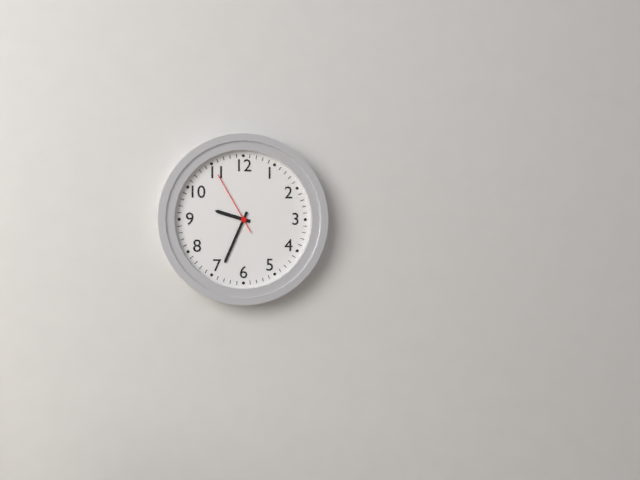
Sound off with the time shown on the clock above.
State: 9:34:55
